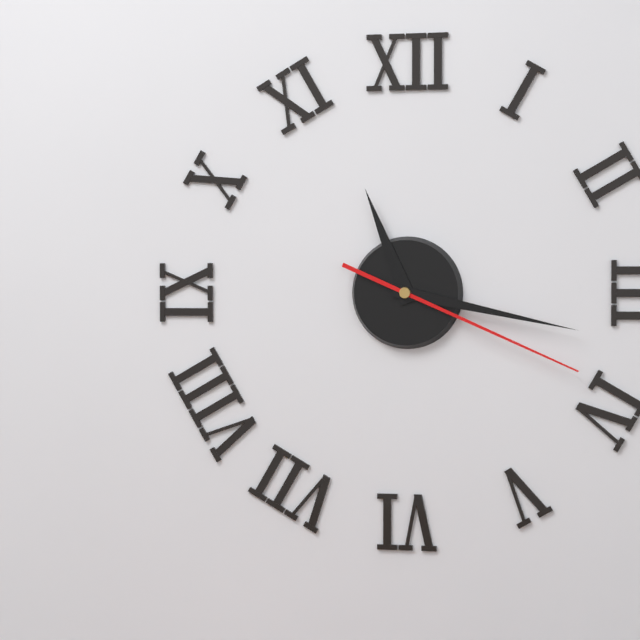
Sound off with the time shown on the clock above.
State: 11:17:19
